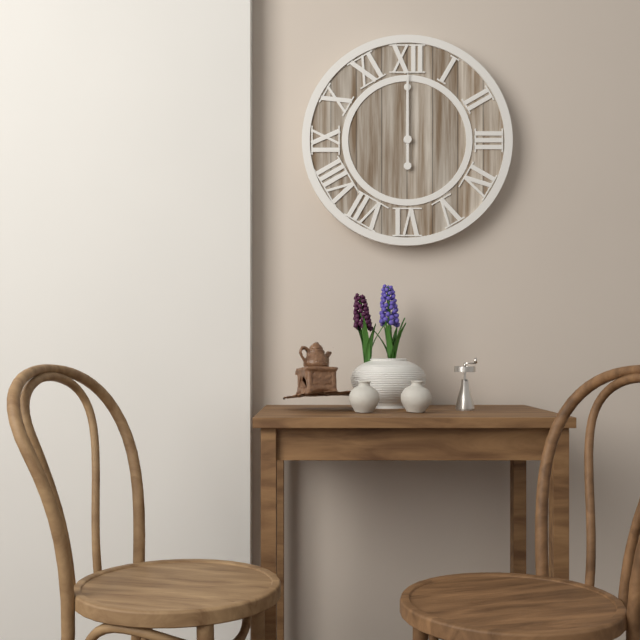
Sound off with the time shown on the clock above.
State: 12:00
